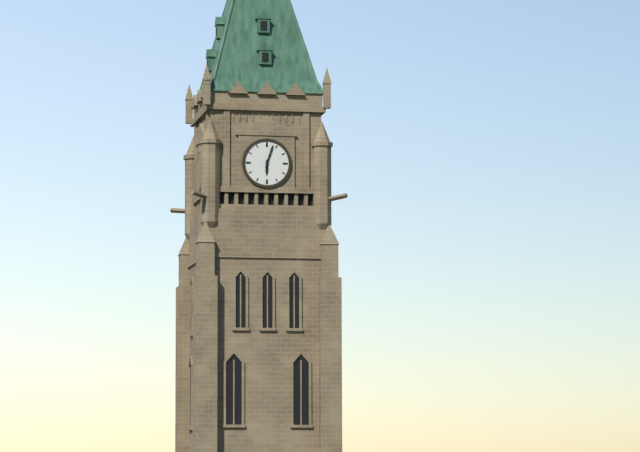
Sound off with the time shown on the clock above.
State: 6:03
